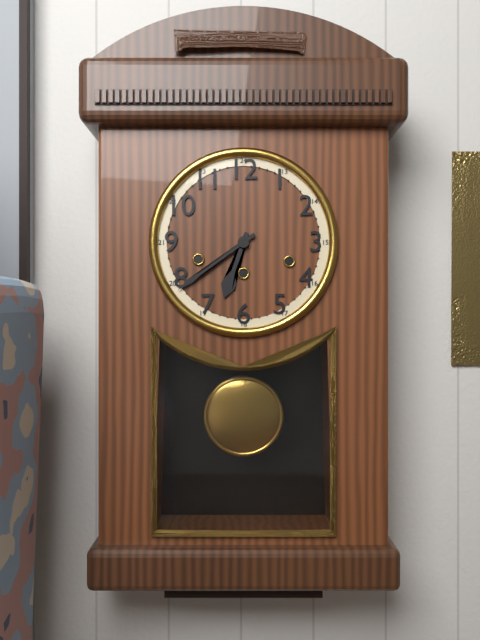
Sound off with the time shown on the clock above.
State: 6:39
